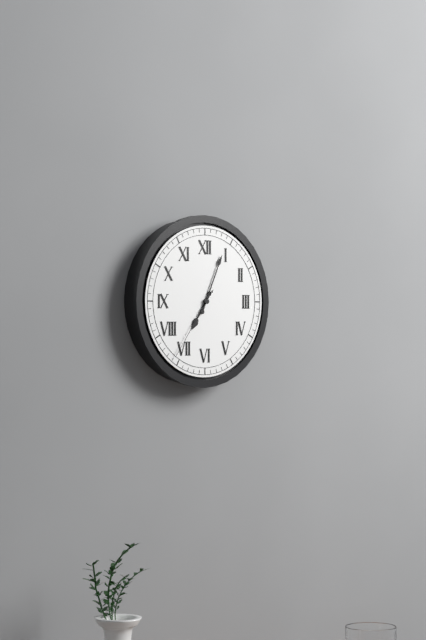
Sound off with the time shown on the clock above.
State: 7:04:36
